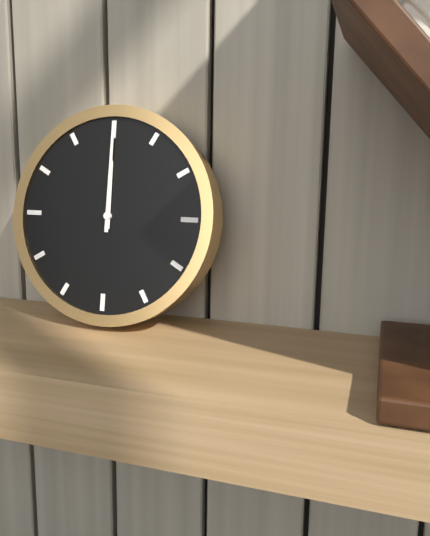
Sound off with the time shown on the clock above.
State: 12:00
